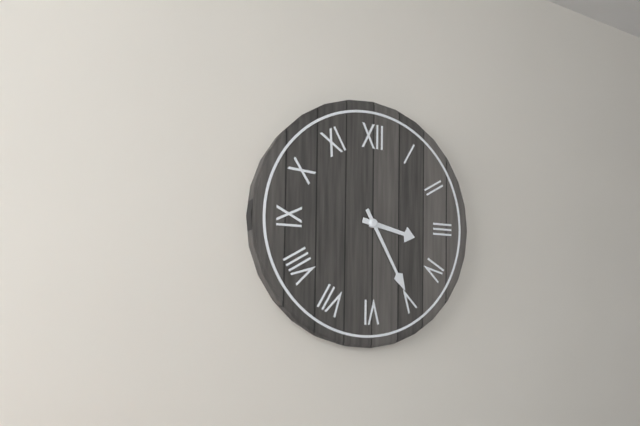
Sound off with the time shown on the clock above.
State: 3:25
